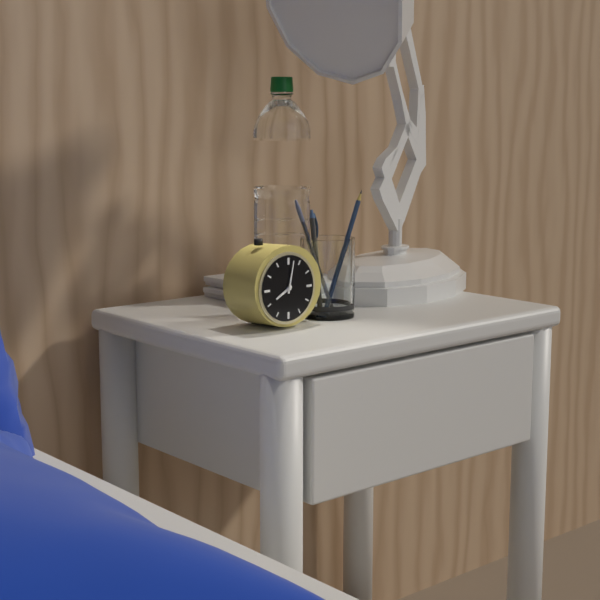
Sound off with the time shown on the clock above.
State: 8:02
